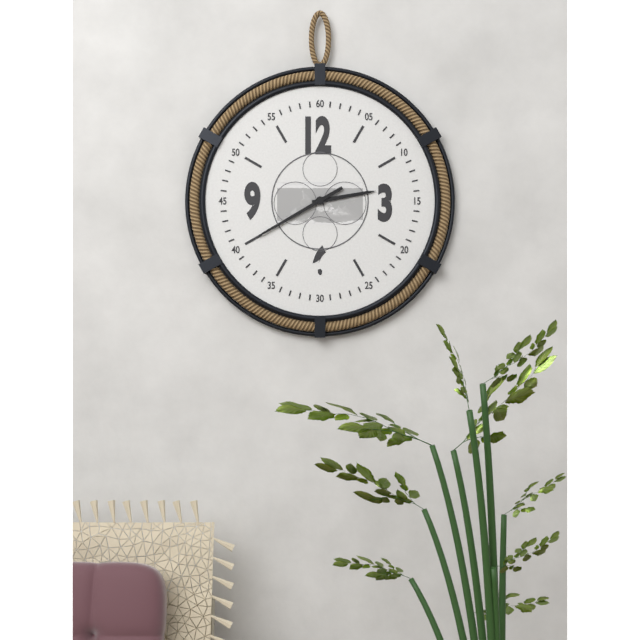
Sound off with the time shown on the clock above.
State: 2:40
